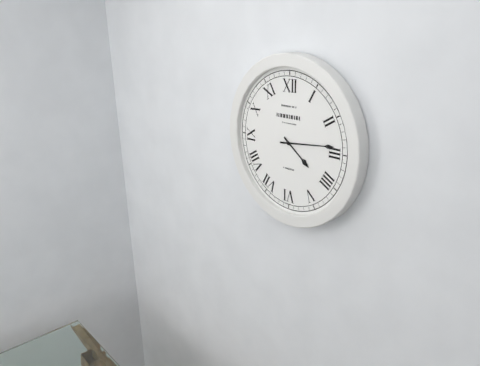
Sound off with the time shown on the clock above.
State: 4:14
